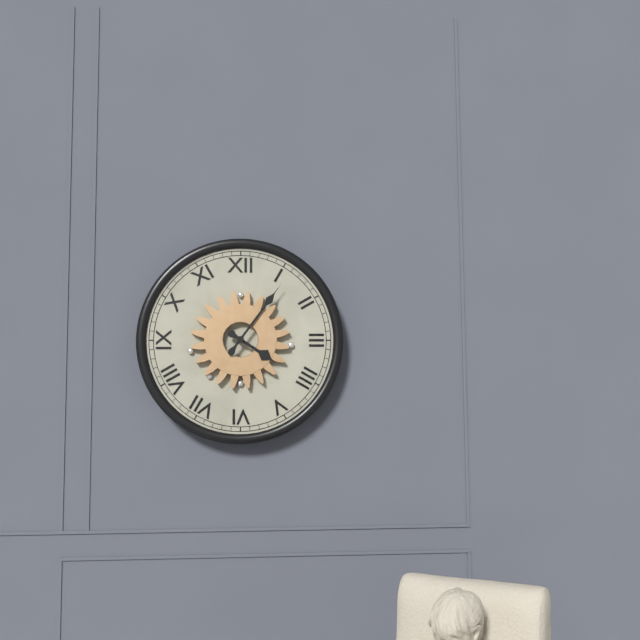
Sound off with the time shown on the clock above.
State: 4:06
